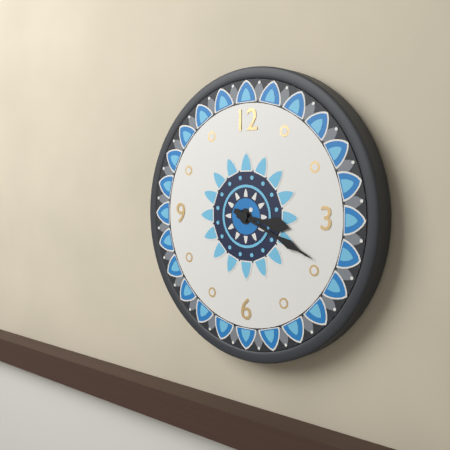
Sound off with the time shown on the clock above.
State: 3:19
